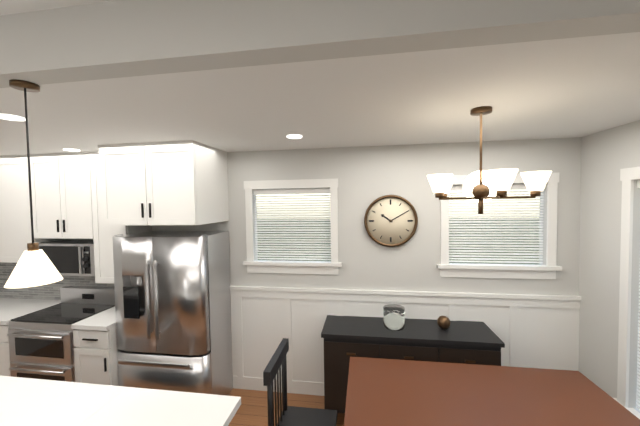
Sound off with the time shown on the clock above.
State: 10:10
